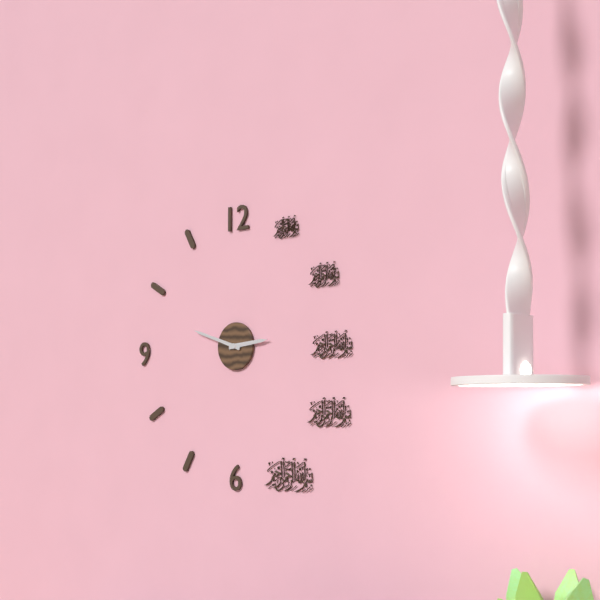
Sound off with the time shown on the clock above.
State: 2:48
